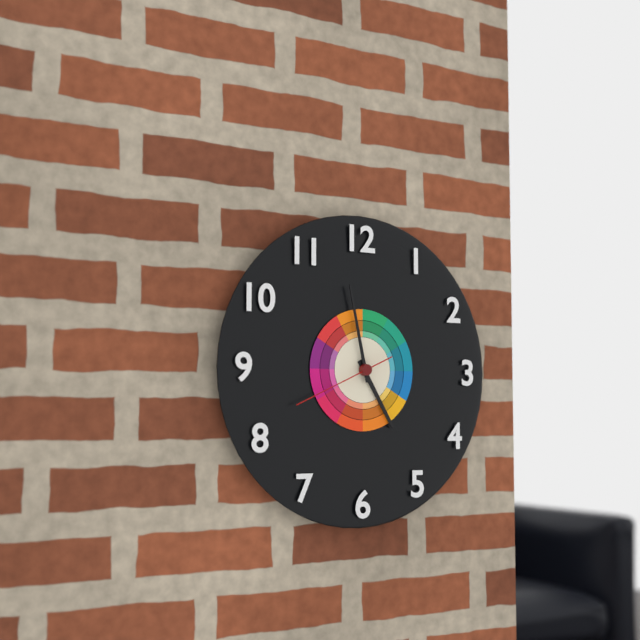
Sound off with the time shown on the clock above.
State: 4:58:41
